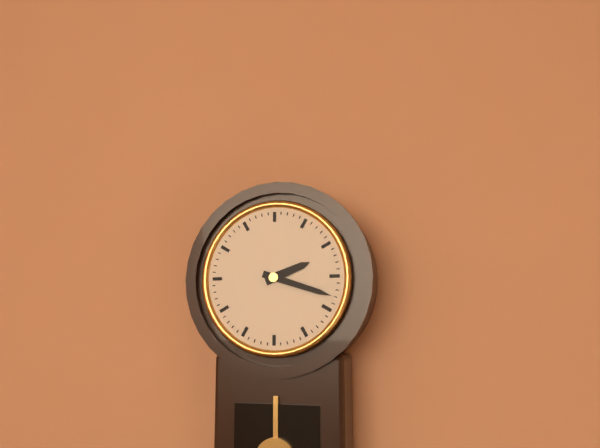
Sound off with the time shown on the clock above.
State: 2:18
